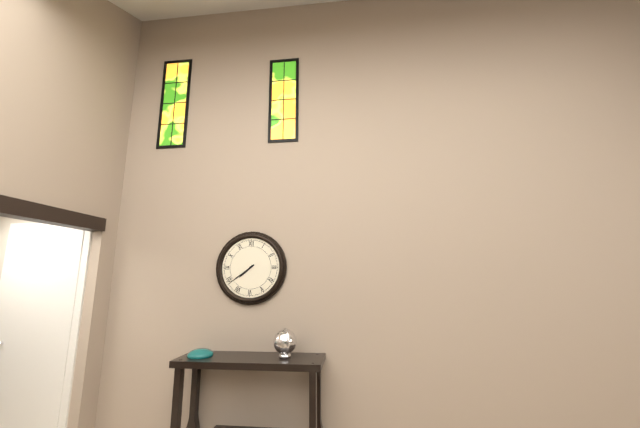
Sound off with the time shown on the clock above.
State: 7:39
